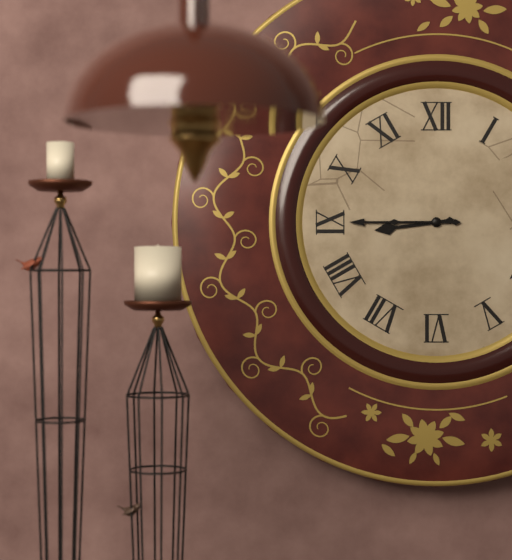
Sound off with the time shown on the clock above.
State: 8:45
